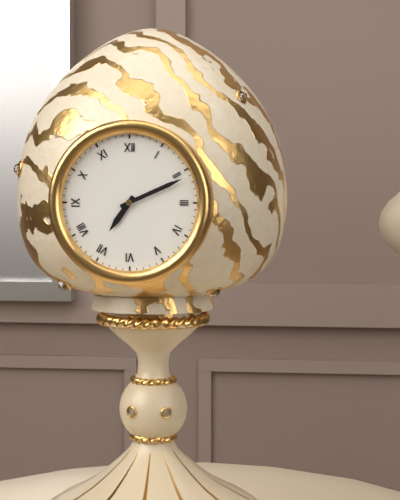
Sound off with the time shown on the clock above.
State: 7:11
